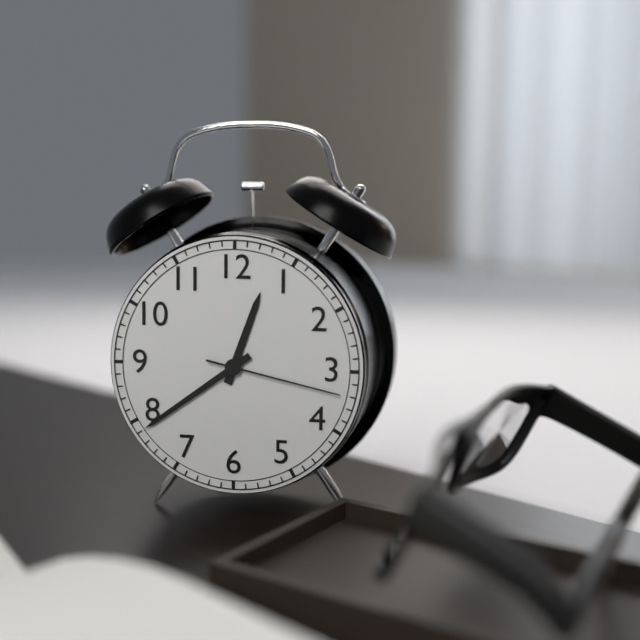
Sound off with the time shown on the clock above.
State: 12:39:17
